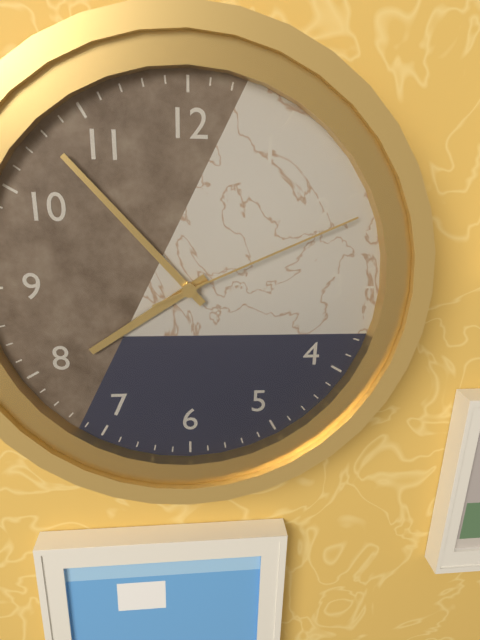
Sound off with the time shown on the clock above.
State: 7:53:11
